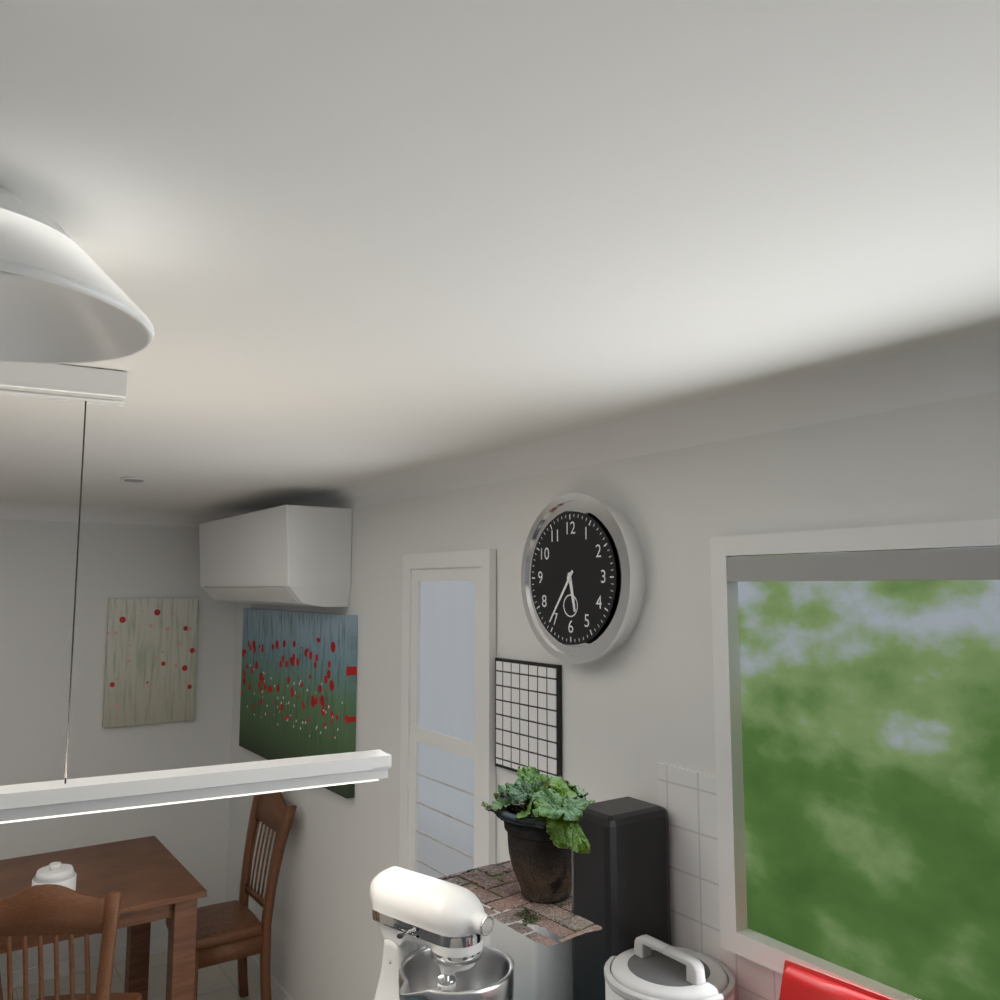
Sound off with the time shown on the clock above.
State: 5:36
